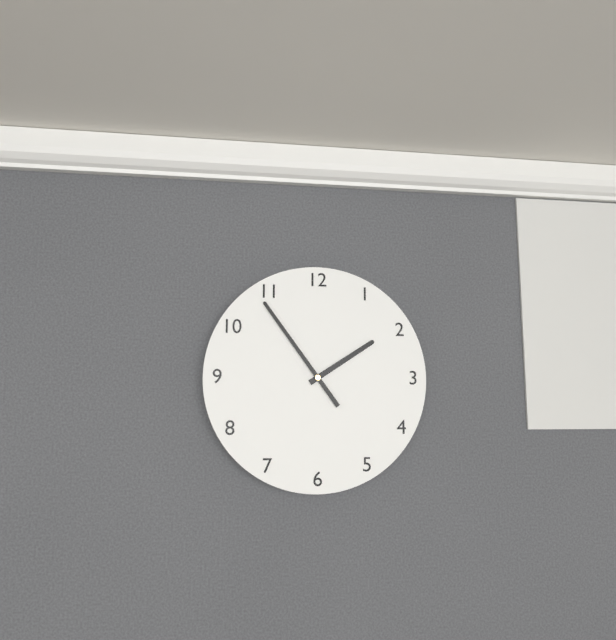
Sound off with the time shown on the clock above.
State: 1:54
